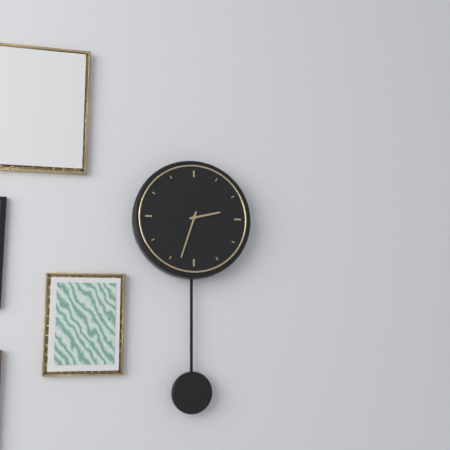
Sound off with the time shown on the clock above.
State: 2:33
